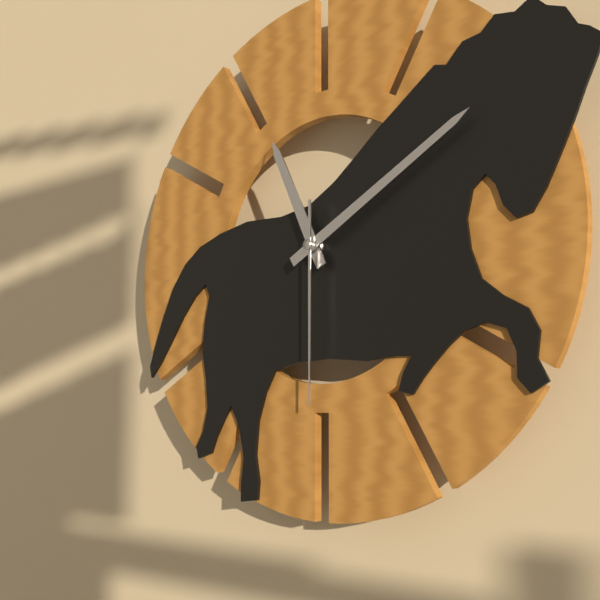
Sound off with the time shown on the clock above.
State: 11:10:30
